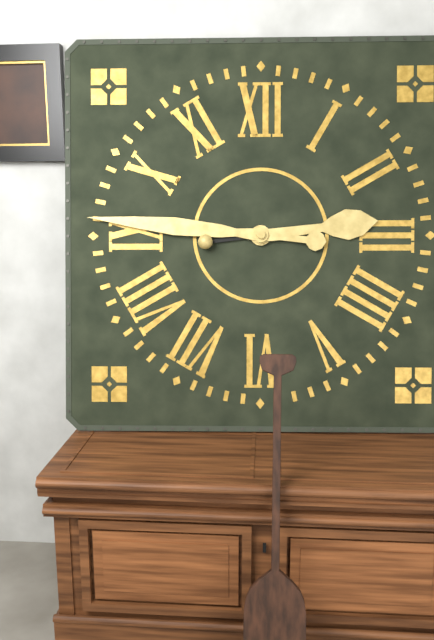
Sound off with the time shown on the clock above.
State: 2:46
